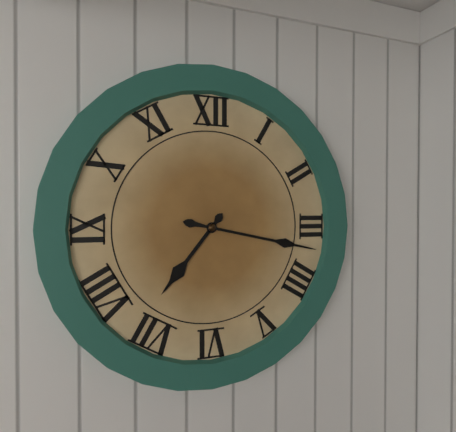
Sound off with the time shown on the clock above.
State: 7:17
